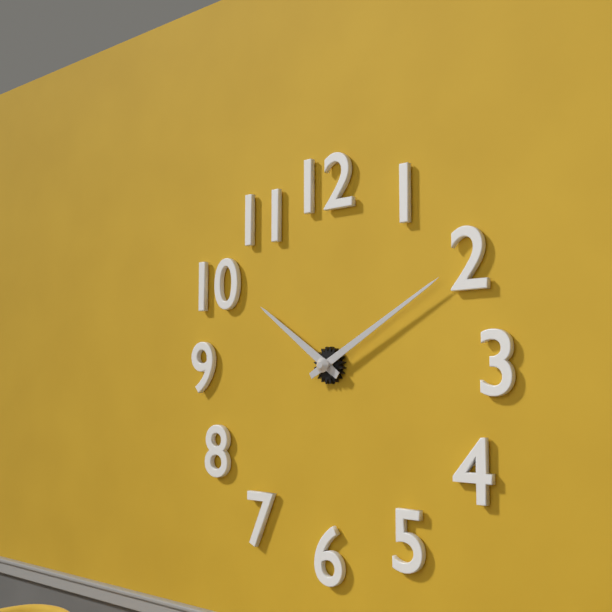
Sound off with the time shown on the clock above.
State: 10:10
